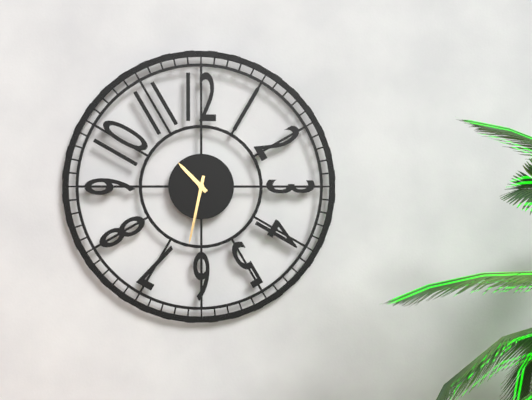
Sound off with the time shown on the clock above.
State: 10:32
